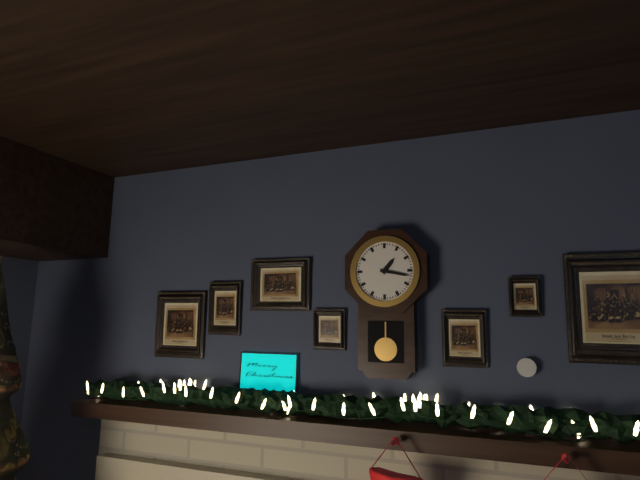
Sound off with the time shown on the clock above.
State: 1:17
